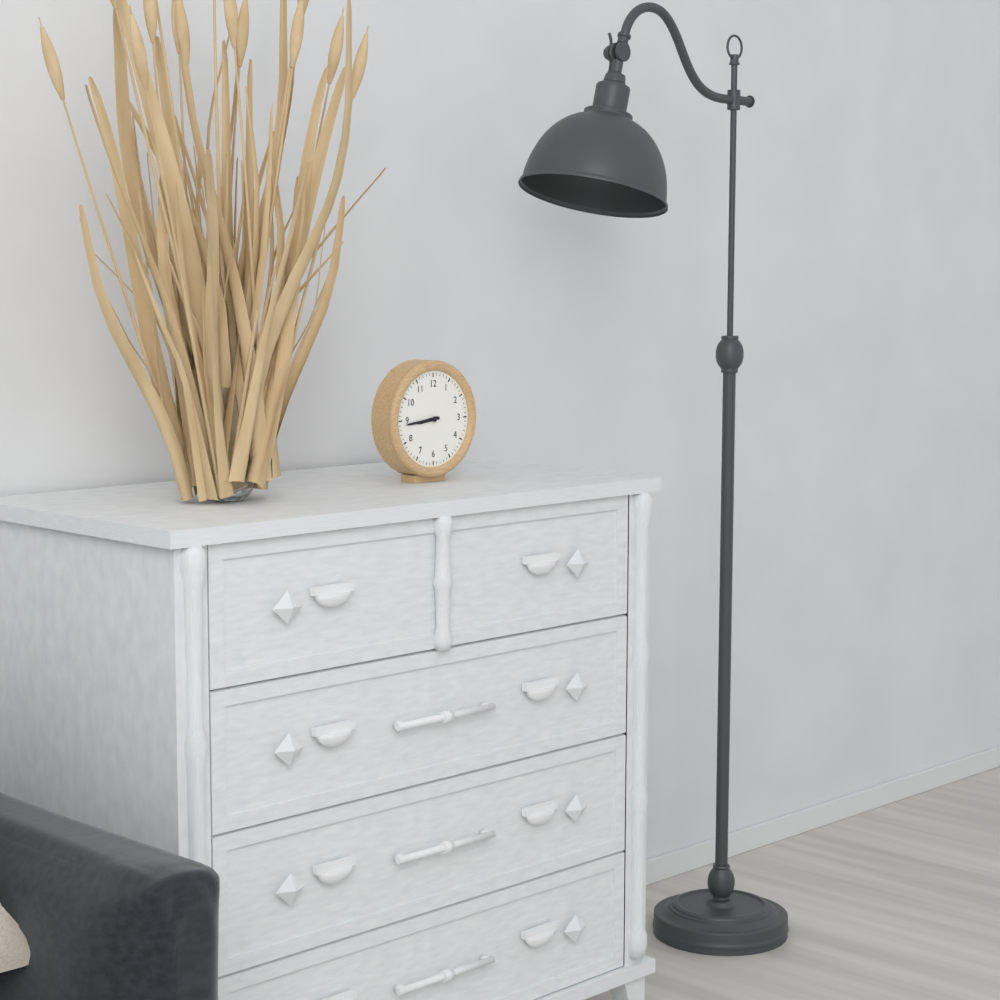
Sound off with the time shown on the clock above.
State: 8:44
